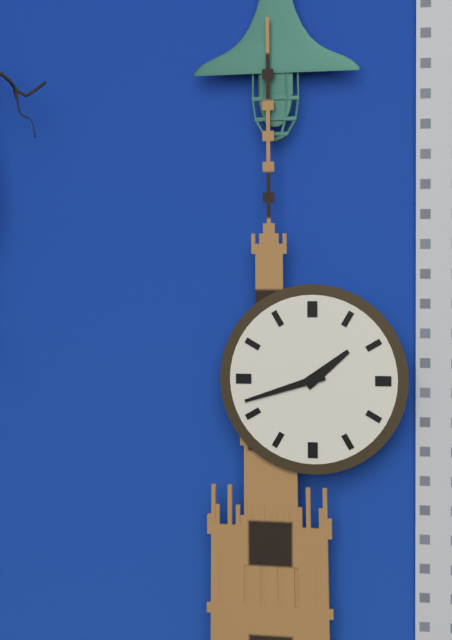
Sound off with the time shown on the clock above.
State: 1:42
